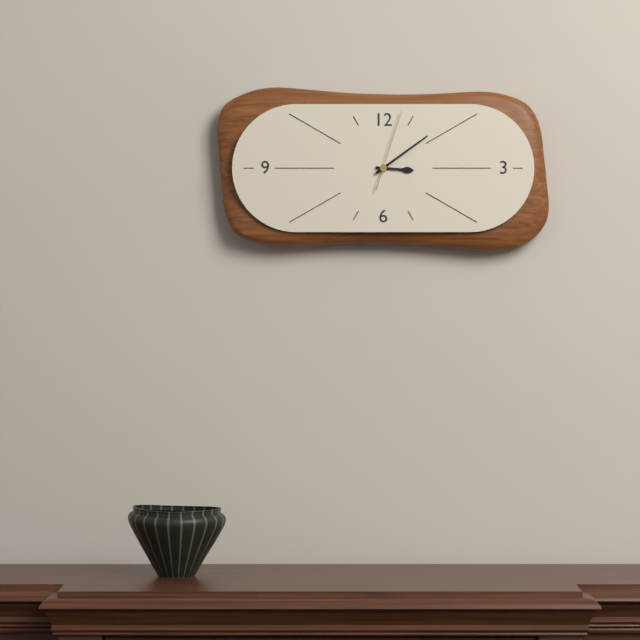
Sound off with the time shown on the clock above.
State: 3:09:03
